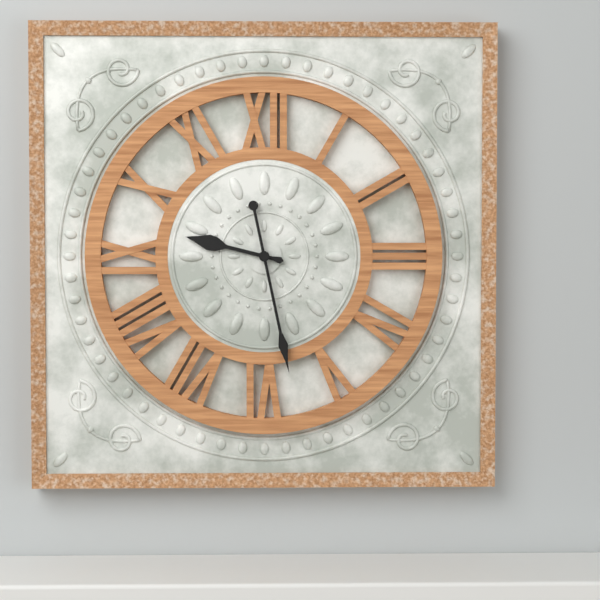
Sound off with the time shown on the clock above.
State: 9:28
